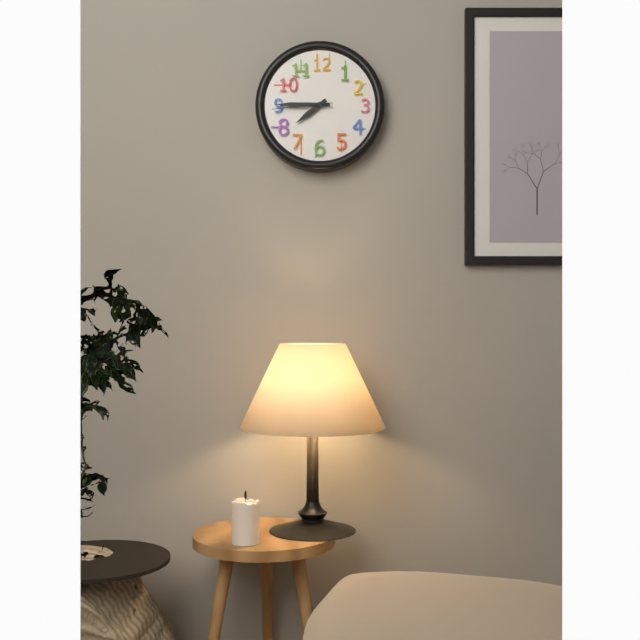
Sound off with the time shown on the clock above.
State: 7:45:44
